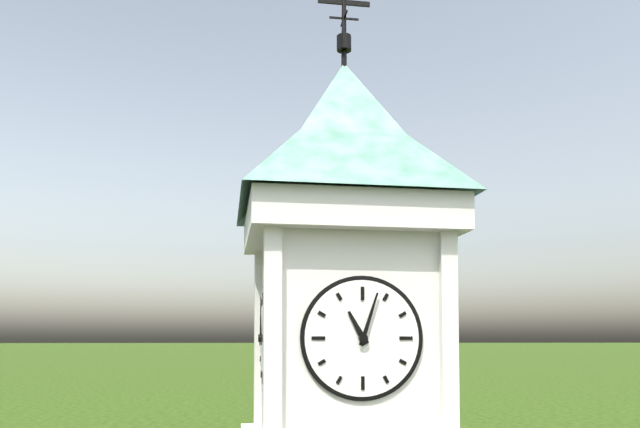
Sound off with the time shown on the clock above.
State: 11:03
